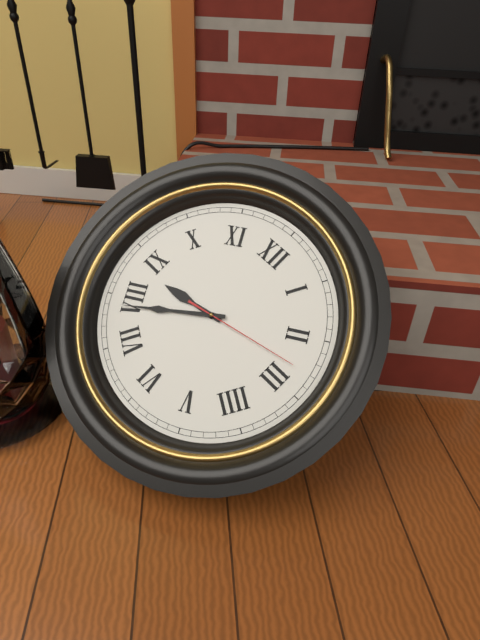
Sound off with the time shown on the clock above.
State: 8:39:13
